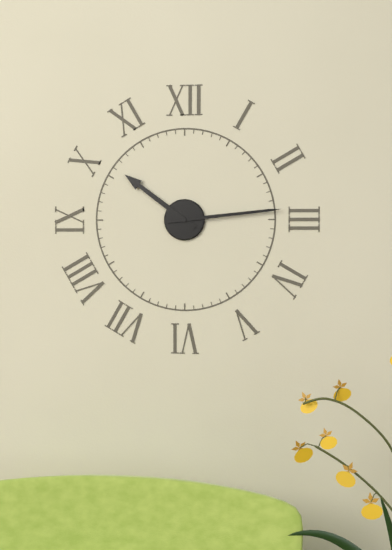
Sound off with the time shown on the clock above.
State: 10:14
